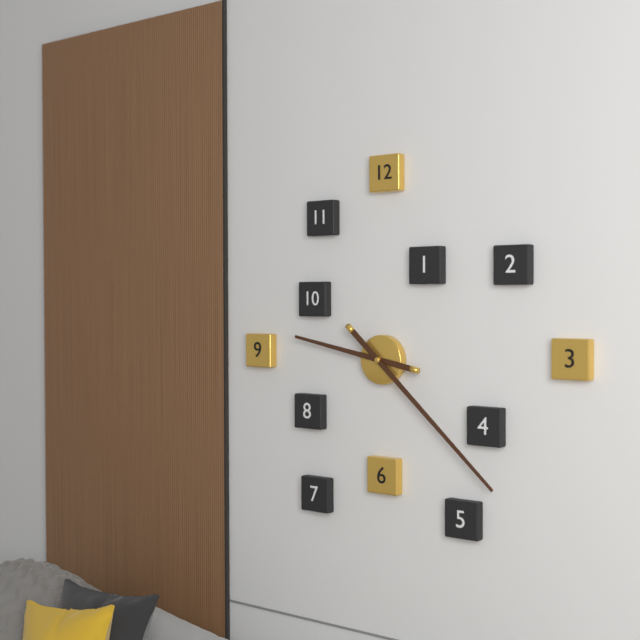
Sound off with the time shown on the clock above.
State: 9:22
